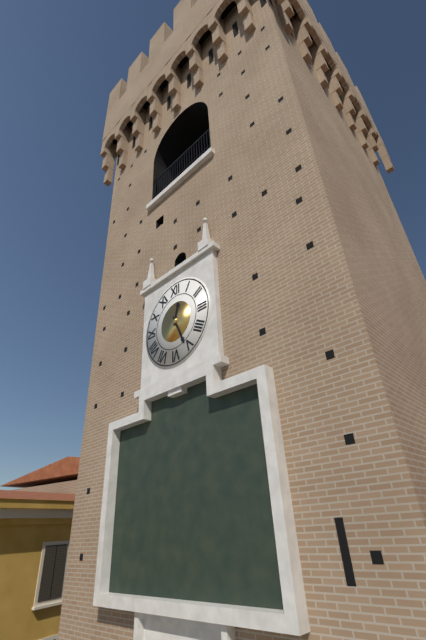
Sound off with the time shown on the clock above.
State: 12:26
